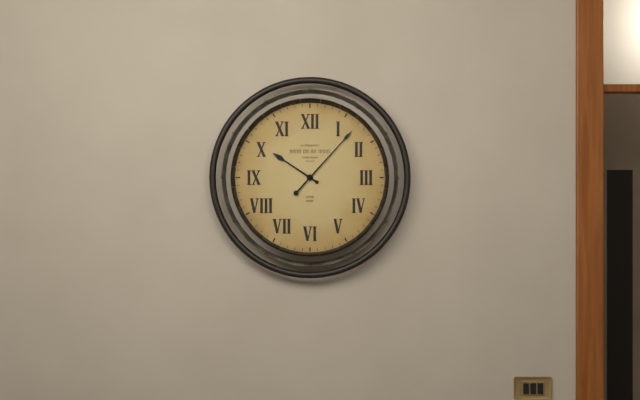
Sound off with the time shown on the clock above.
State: 10:07
